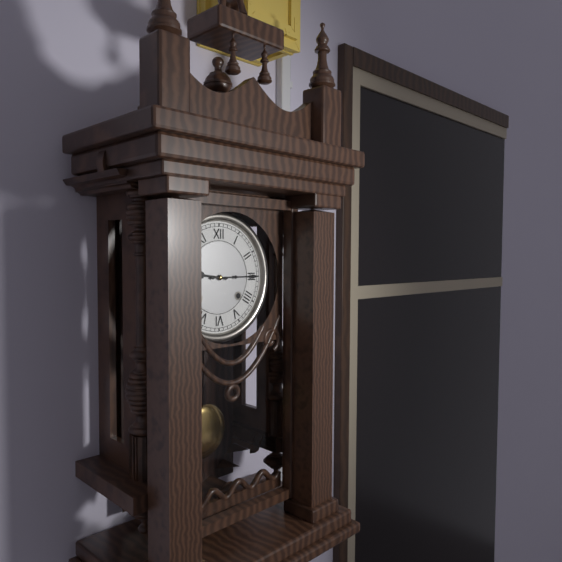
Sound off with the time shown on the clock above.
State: 9:15
